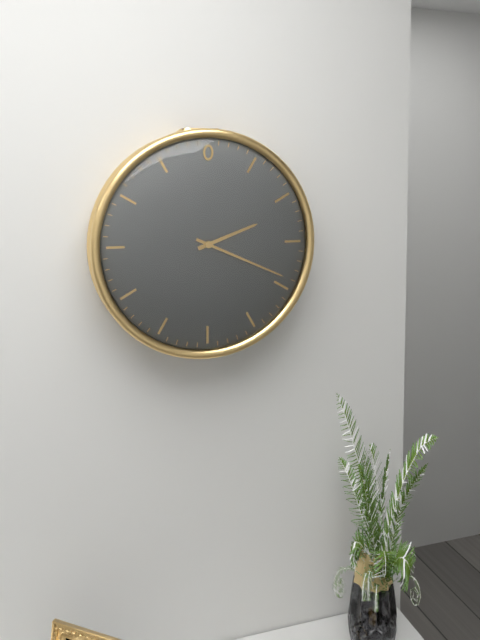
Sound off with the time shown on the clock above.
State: 2:19
